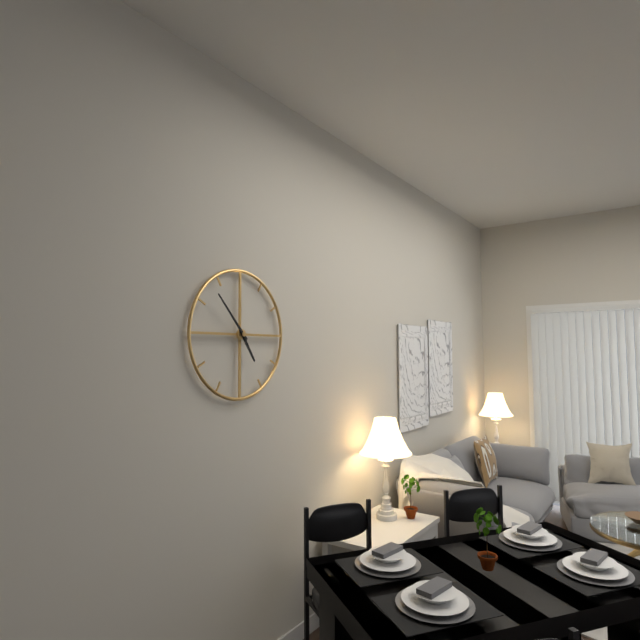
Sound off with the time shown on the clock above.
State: 4:53
